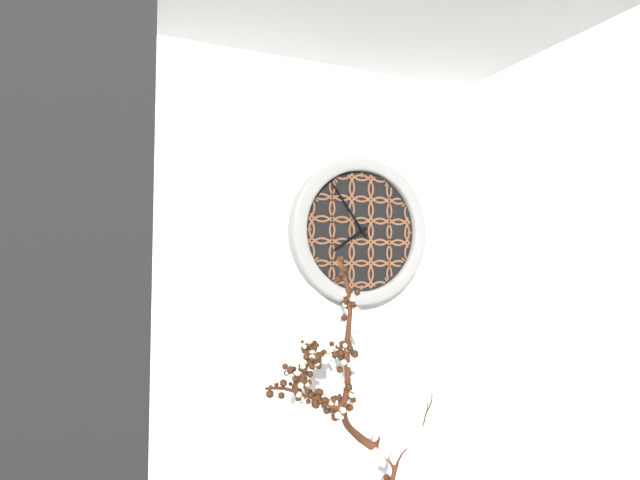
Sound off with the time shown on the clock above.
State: 7:54
